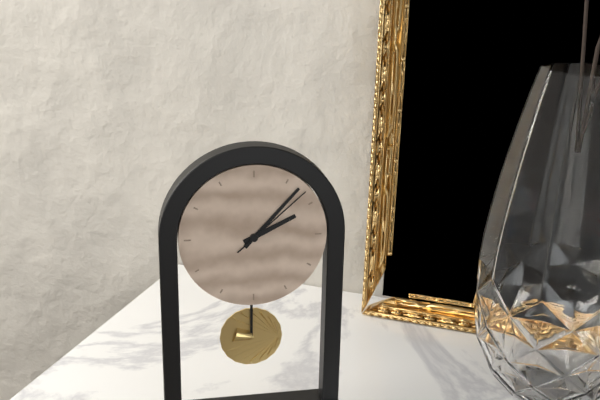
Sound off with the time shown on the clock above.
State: 2:07:08
